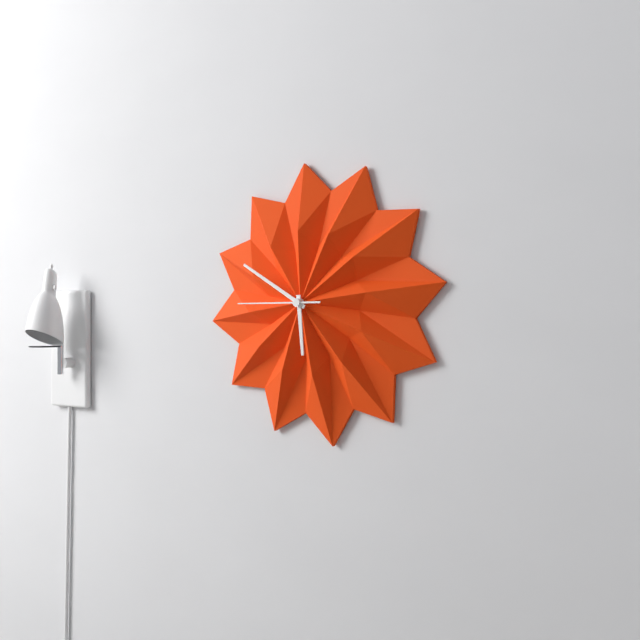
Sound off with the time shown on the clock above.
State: 5:50:45
